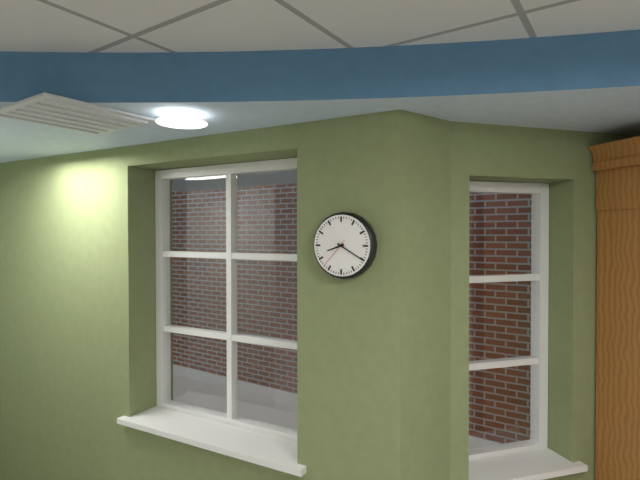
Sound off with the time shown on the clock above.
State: 8:20
